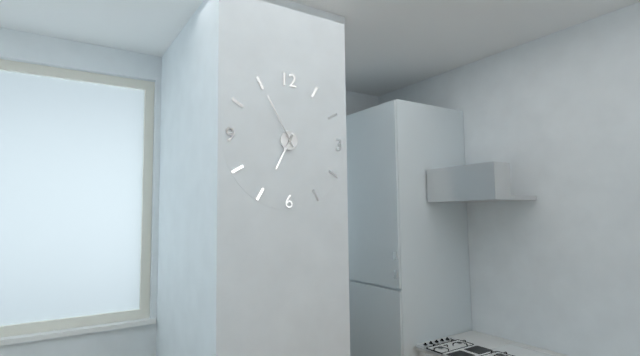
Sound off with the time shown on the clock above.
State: 6:55
